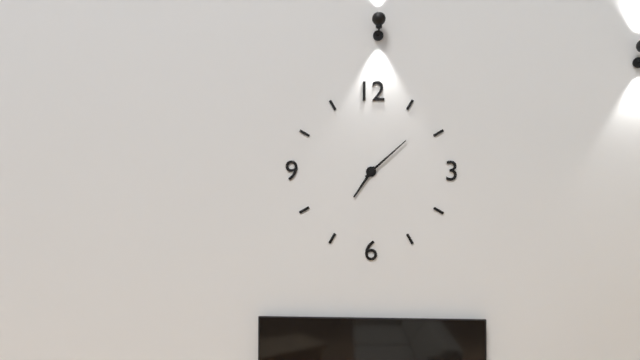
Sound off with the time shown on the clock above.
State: 7:08
